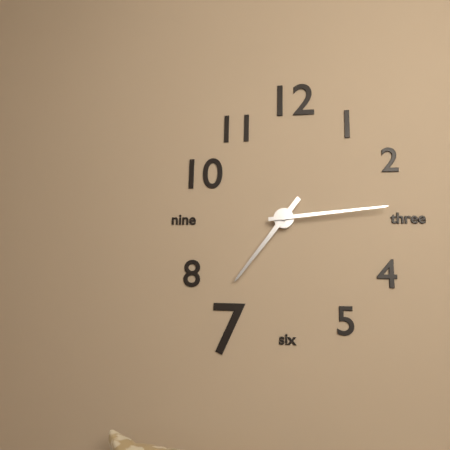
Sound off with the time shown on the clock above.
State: 7:14
